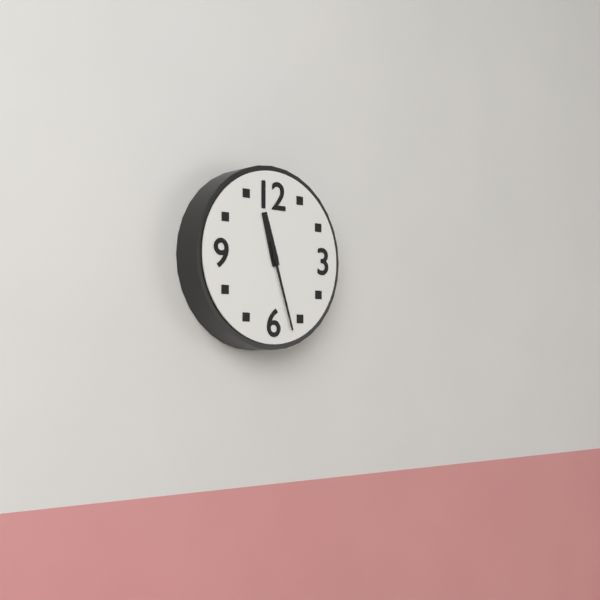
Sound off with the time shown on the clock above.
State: 11:27
